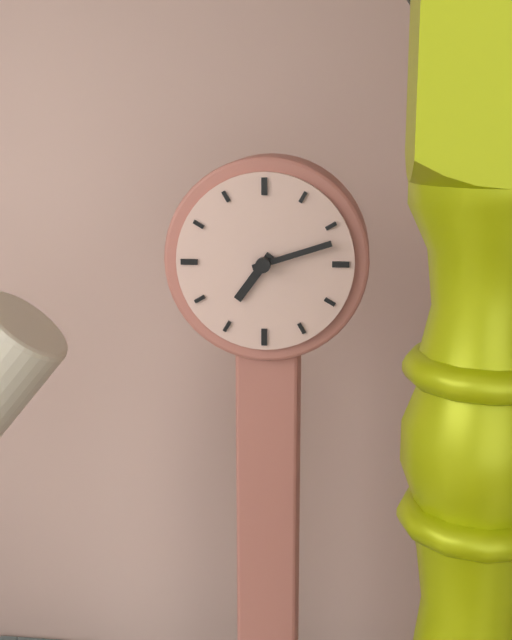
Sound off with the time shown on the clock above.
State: 7:12
